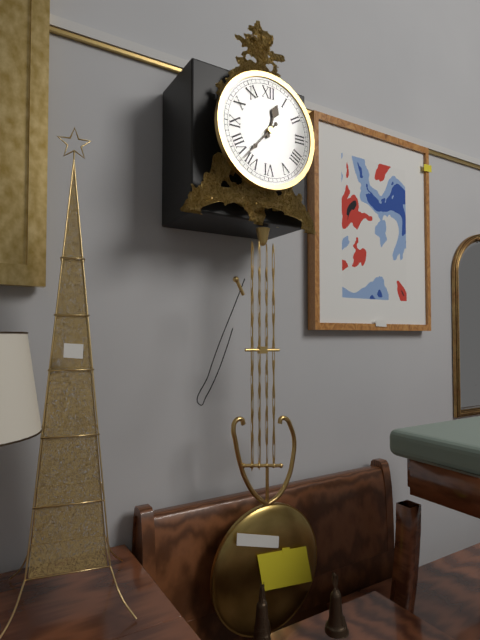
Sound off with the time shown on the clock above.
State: 12:37
